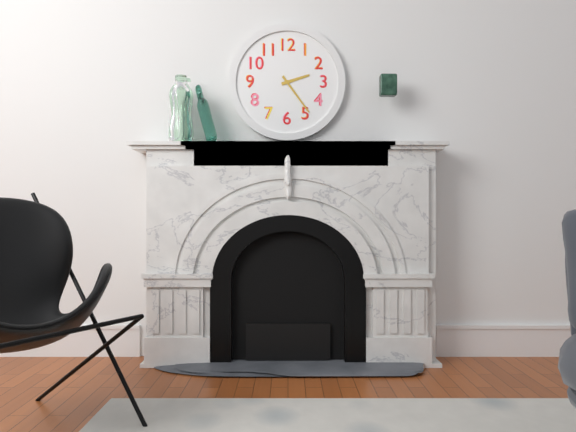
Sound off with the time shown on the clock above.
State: 2:24
